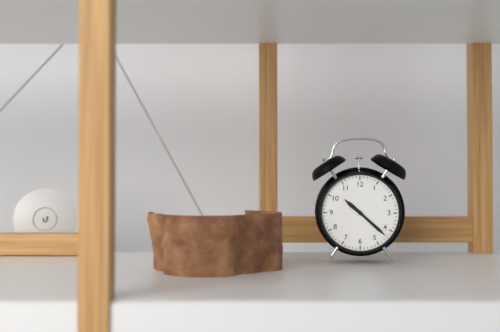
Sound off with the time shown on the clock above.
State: 10:22
